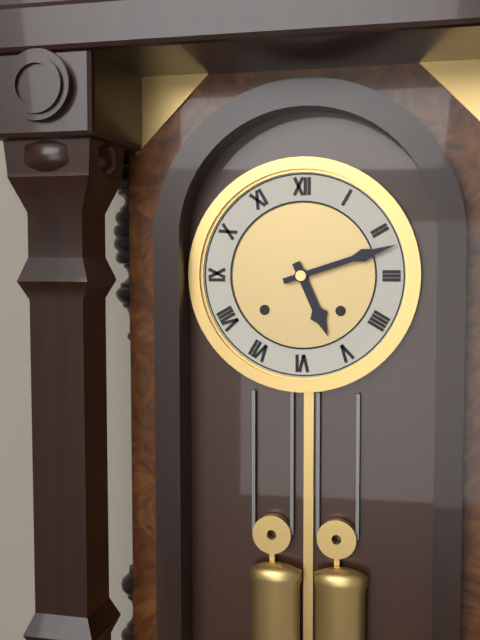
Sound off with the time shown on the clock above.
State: 5:12
